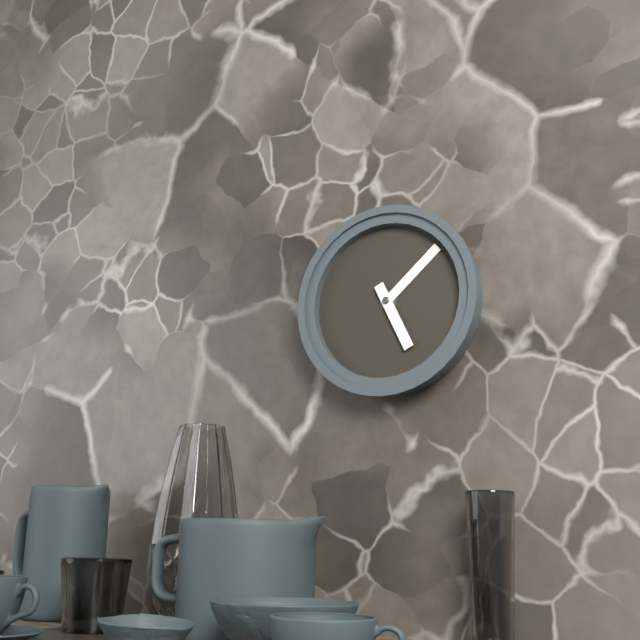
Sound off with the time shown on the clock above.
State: 5:08
